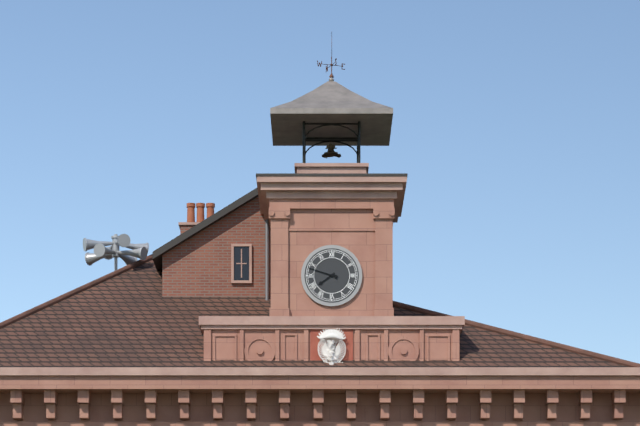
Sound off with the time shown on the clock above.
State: 7:48
